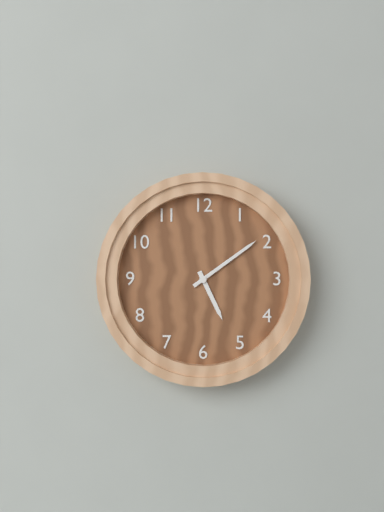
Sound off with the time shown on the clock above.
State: 5:09
